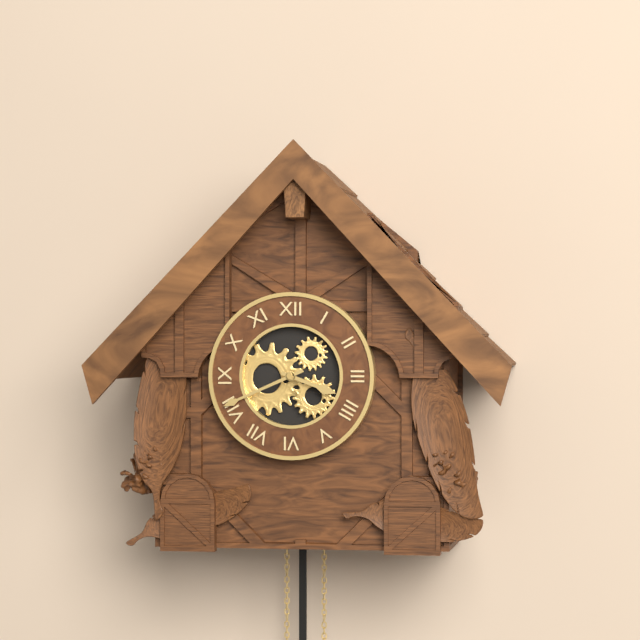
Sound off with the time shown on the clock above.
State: 3:41
